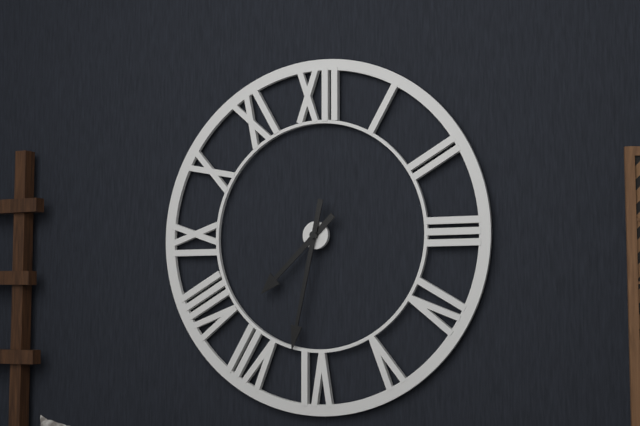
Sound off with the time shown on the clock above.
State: 7:32
